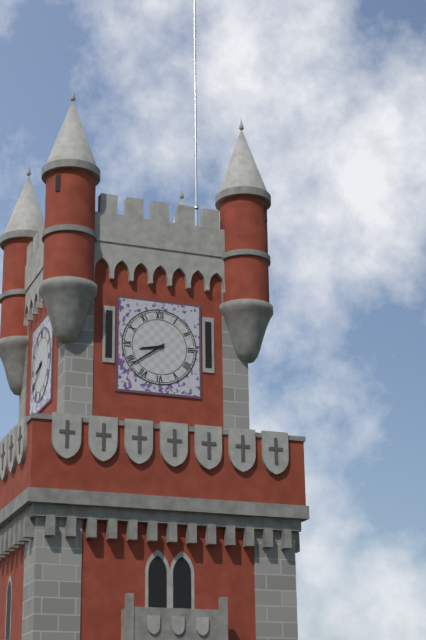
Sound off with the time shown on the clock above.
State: 8:39
